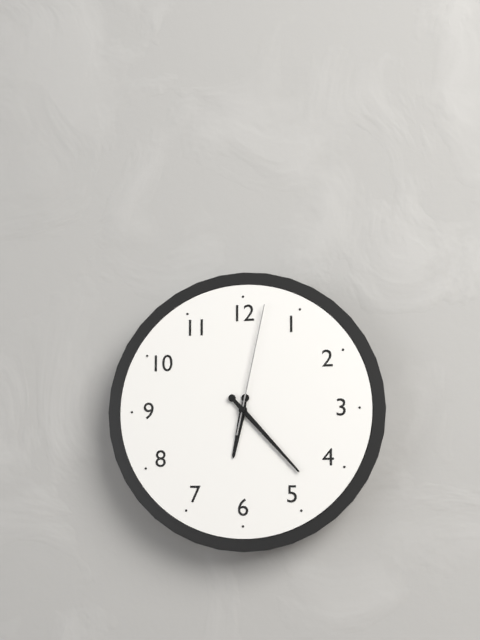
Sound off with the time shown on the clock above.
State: 6:23:02
